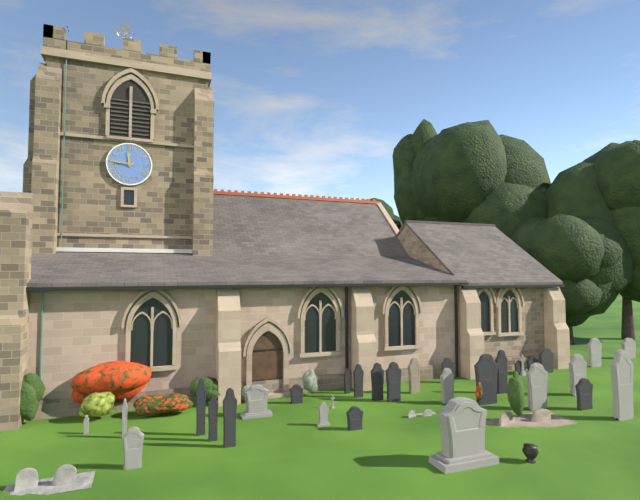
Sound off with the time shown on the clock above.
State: 11:46
